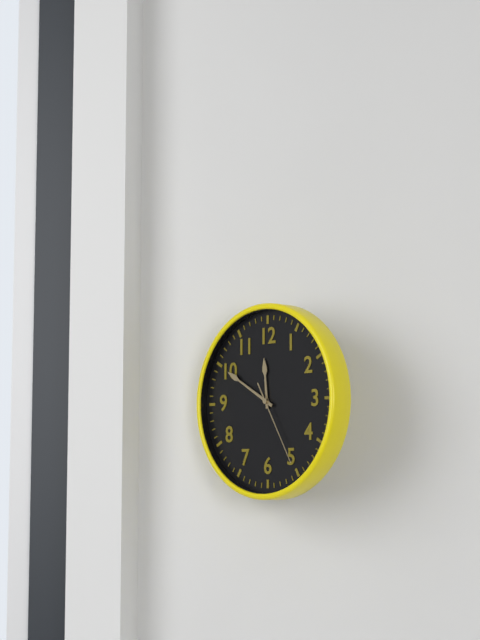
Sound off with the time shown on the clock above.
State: 11:50:25
